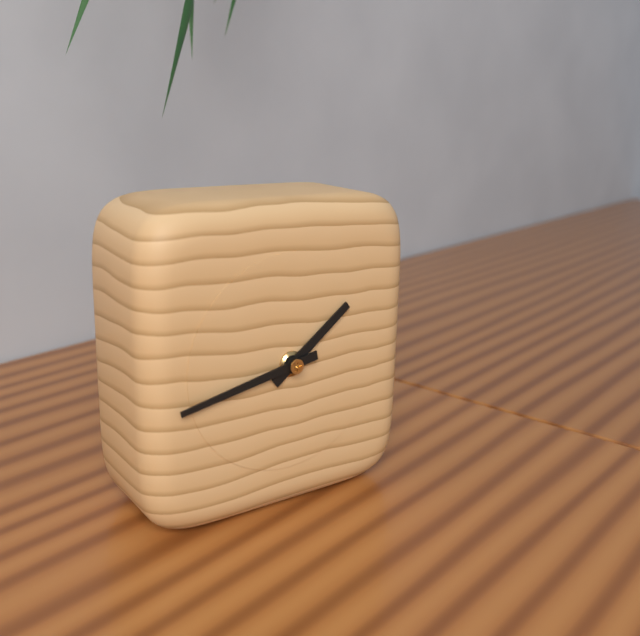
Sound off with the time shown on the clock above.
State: 1:43
